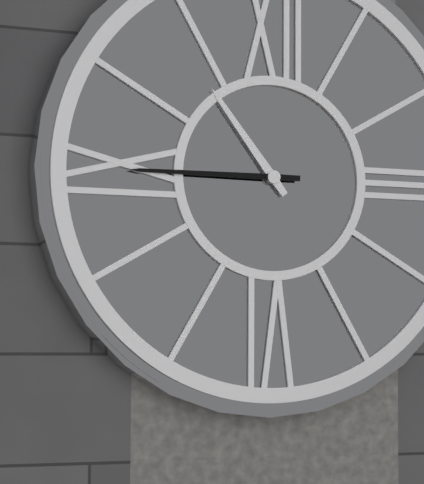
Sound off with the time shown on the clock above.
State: 10:45
